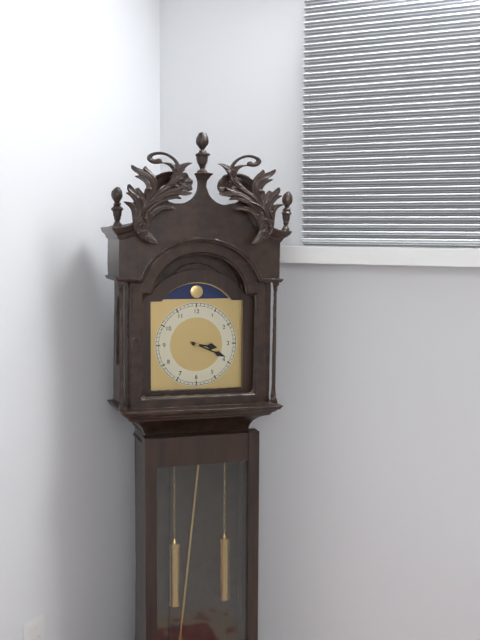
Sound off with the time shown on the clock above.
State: 3:19
